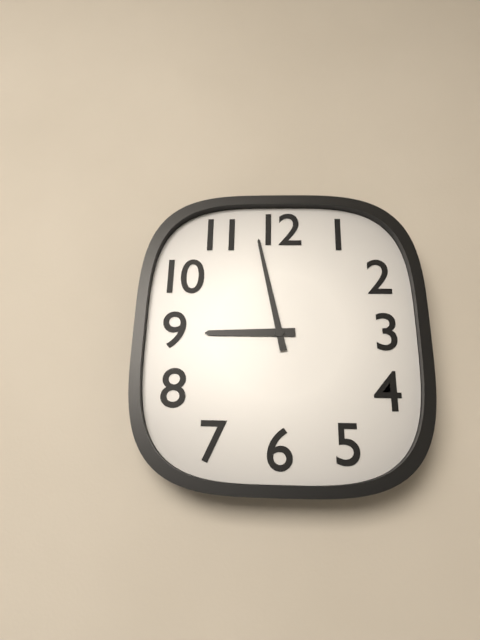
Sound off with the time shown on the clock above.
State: 8:58
